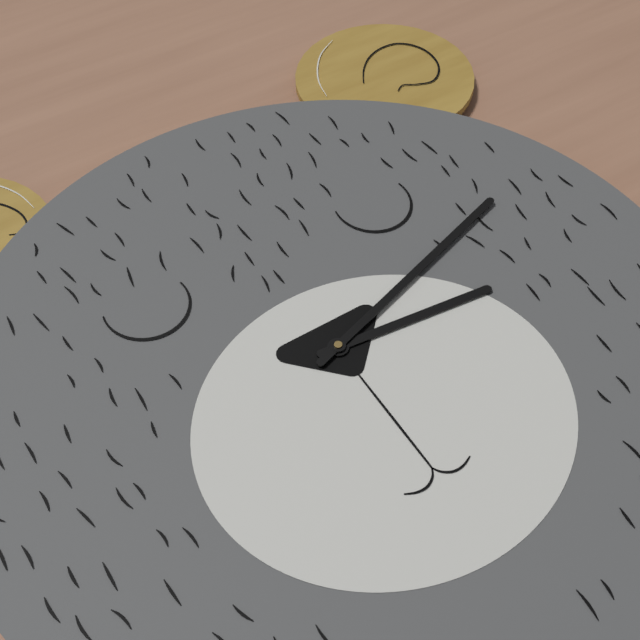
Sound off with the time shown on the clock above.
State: 3:12
